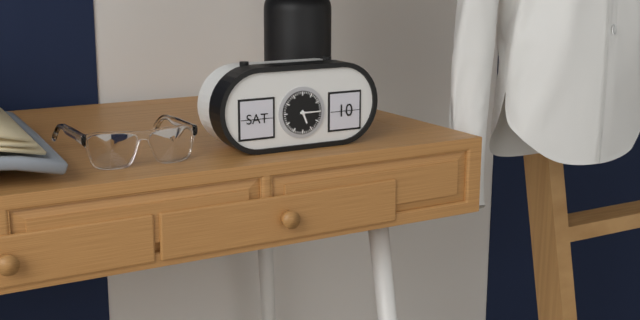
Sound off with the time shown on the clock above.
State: 5:15
